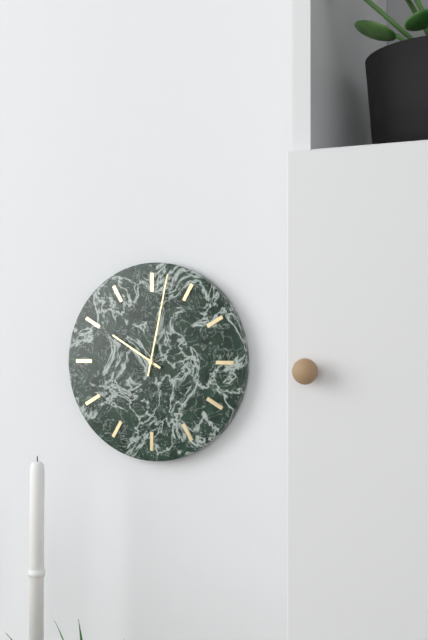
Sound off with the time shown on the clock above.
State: 10:02
